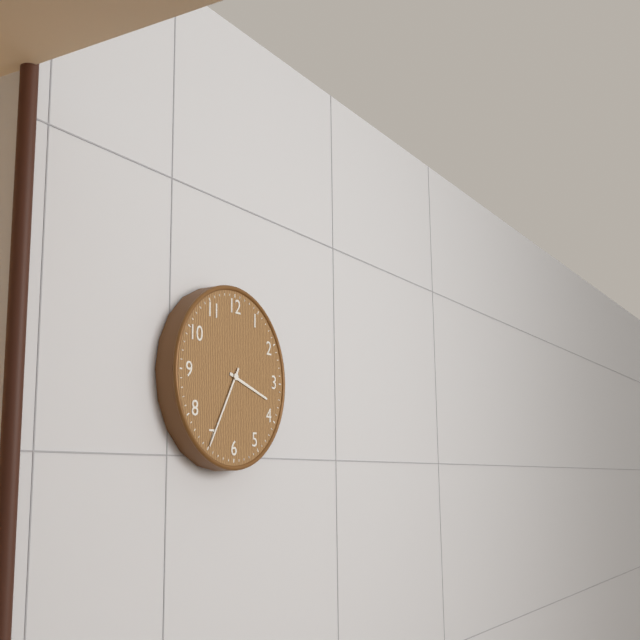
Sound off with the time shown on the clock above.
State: 3:35
